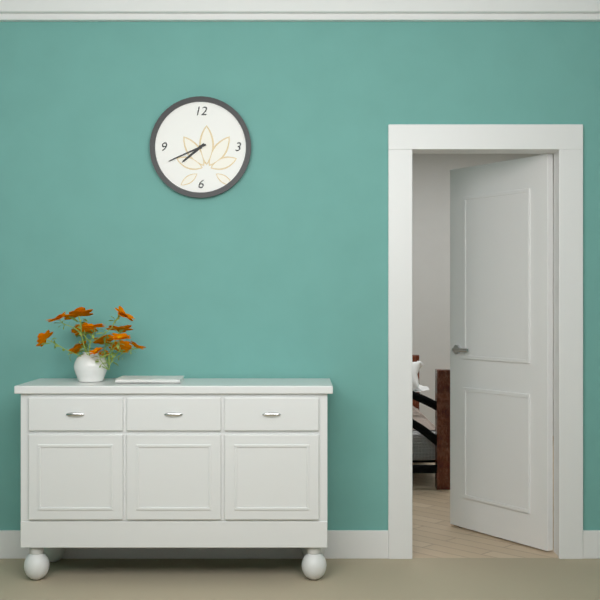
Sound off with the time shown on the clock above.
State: 7:41
